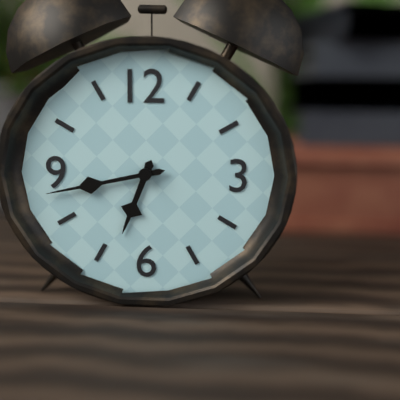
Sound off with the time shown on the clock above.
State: 6:43
